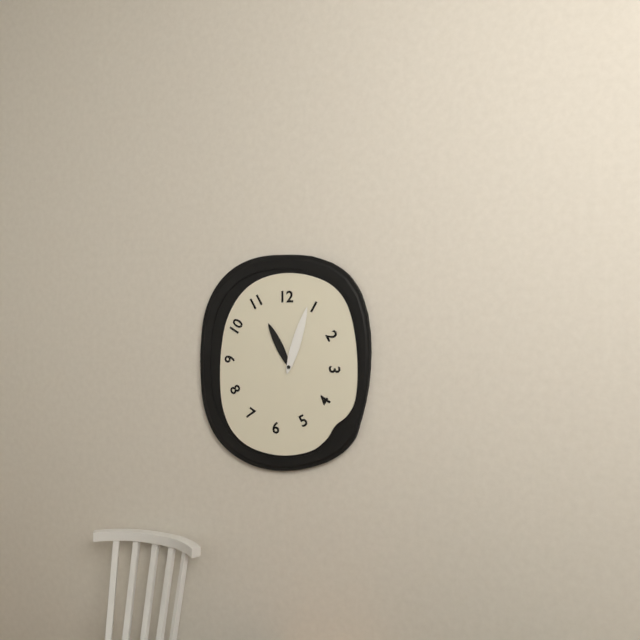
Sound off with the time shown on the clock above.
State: 11:03
